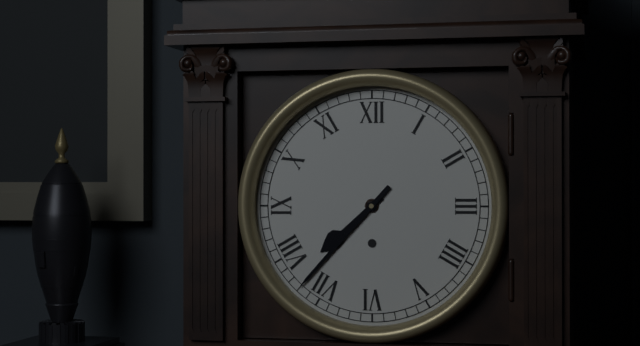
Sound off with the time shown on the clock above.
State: 7:37
